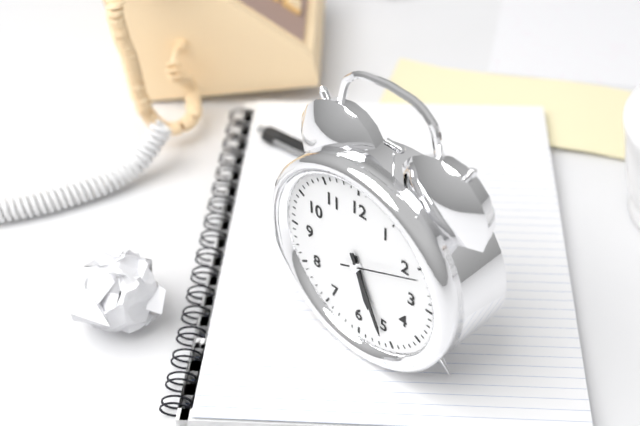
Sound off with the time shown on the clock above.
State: 5:26:11
